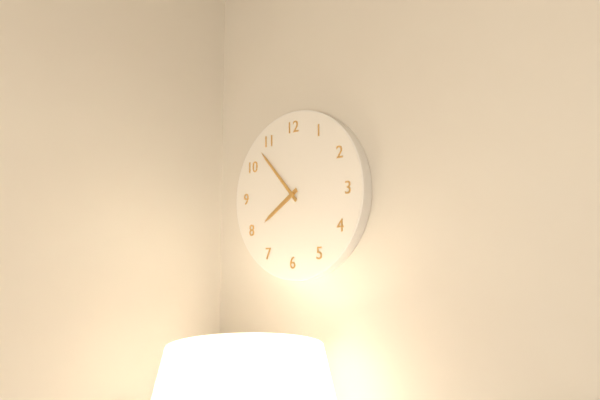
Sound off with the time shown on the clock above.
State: 7:53
